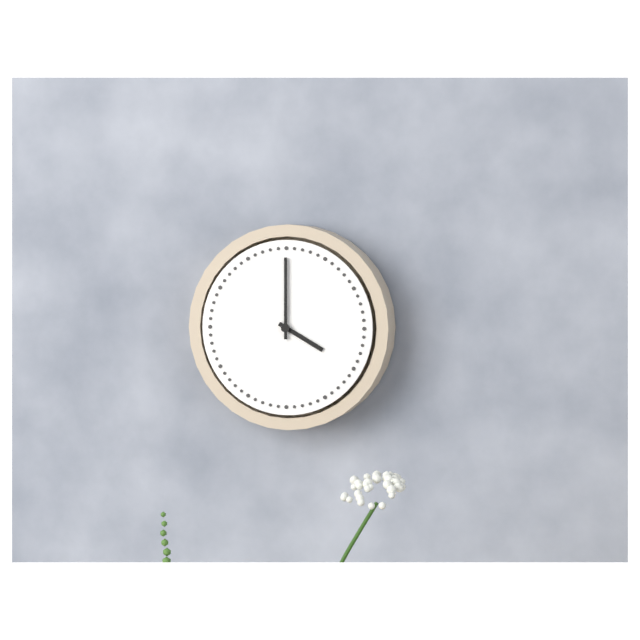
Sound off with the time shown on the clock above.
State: 4:00
